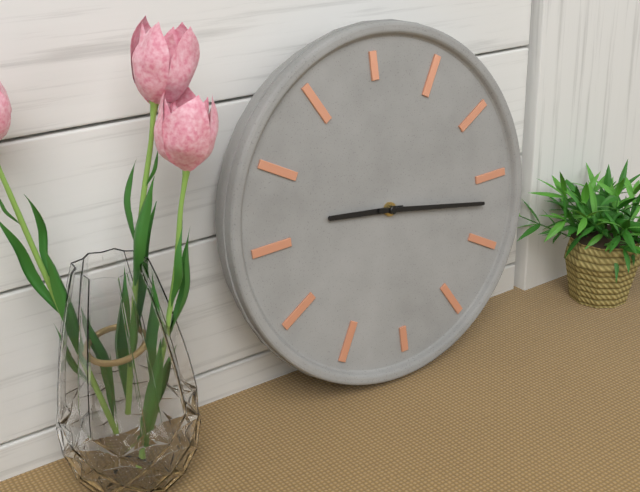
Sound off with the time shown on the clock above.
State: 9:17
